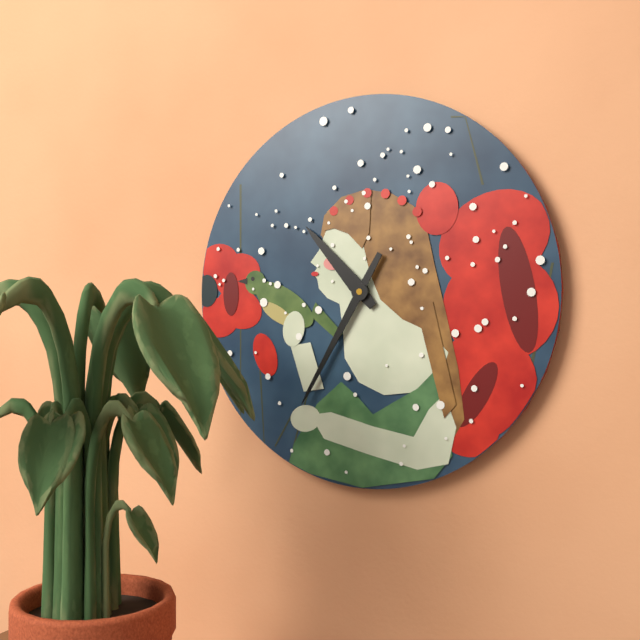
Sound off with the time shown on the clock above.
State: 10:35
